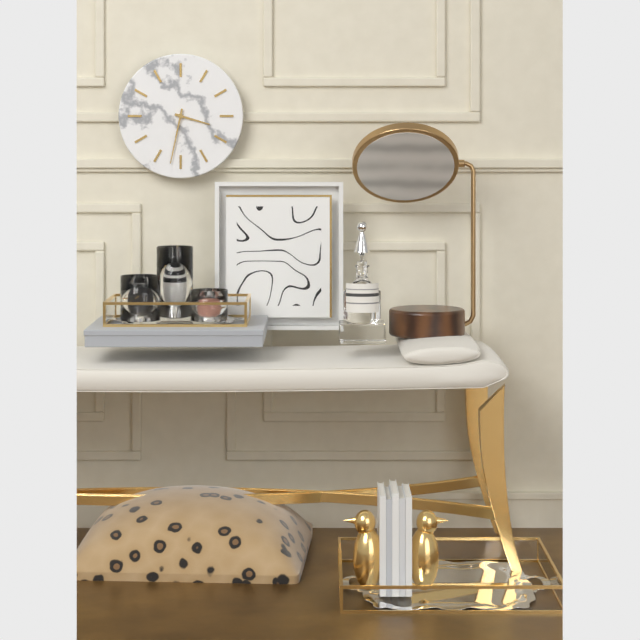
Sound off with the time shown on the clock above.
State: 3:32
